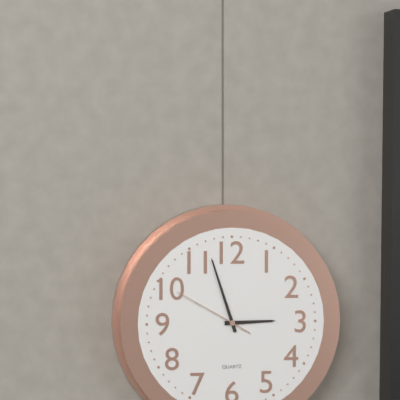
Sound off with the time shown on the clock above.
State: 2:57:50
